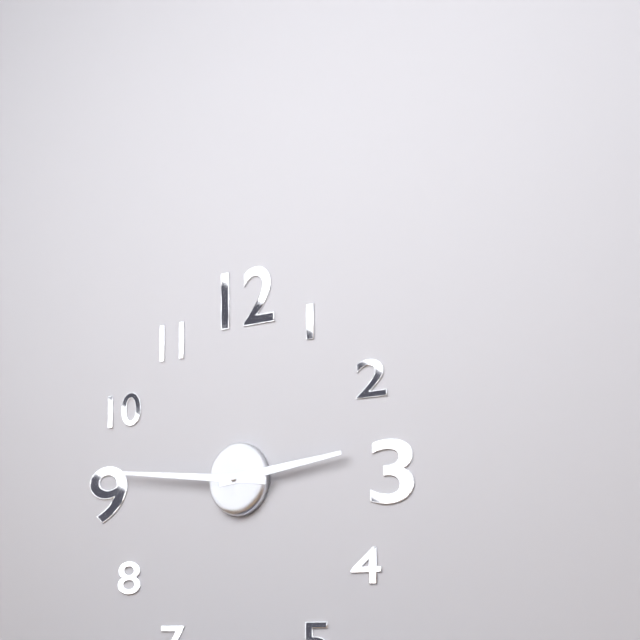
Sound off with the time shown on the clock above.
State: 2:46
